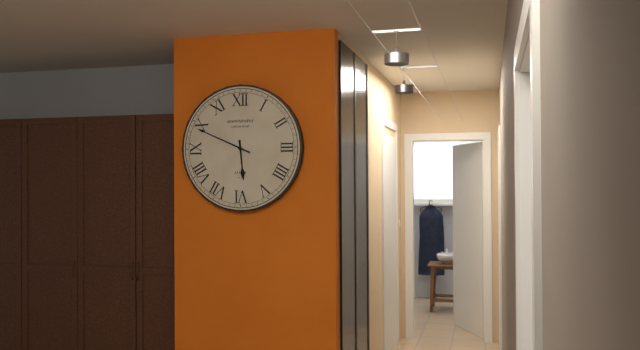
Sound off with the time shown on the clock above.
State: 5:49
